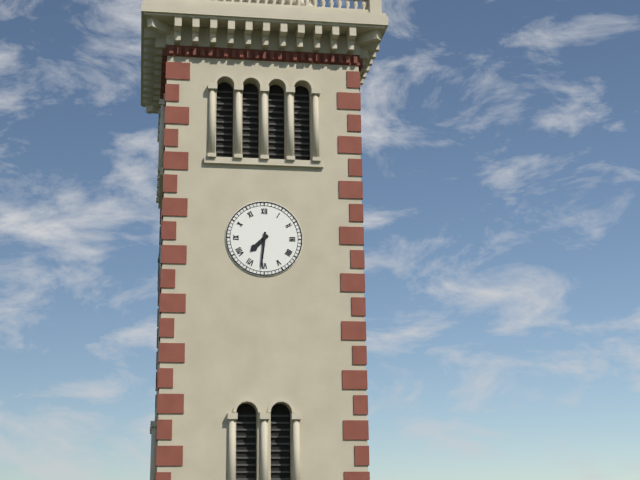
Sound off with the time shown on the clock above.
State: 7:31
